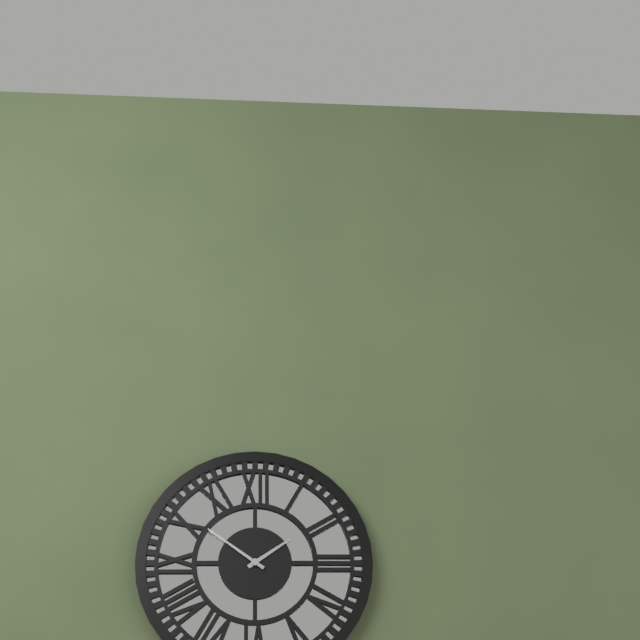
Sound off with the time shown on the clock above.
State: 1:51
